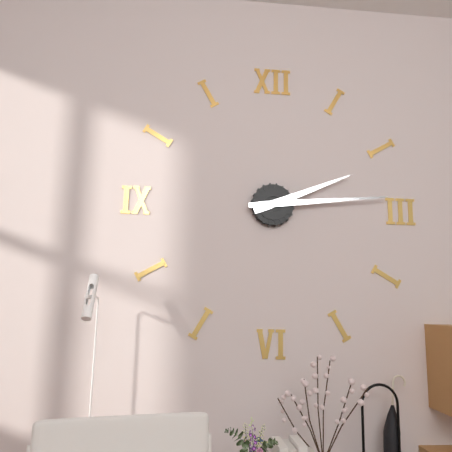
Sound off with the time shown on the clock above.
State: 2:14
